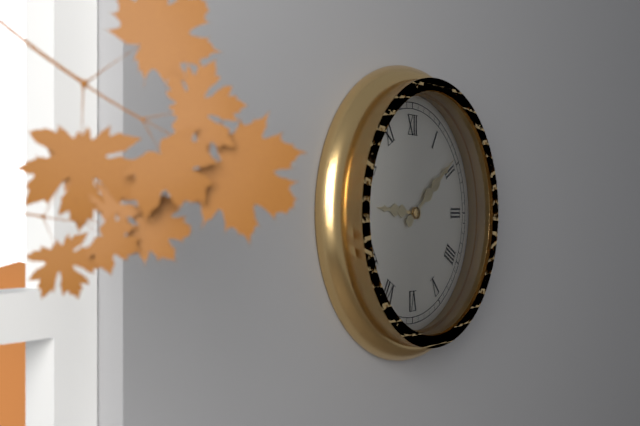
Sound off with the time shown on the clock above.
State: 9:09
